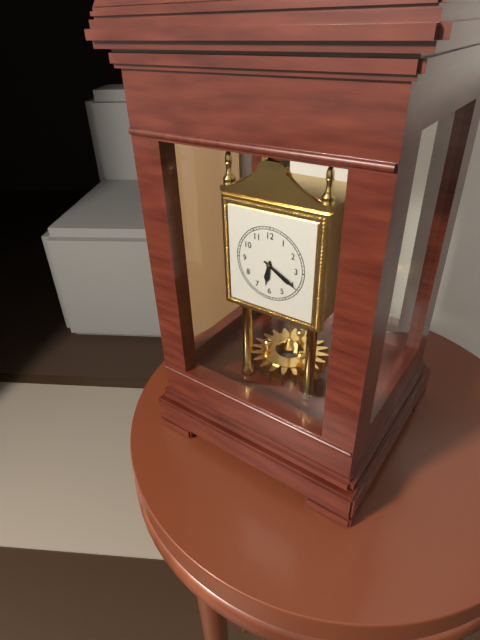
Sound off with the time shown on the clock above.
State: 6:20
